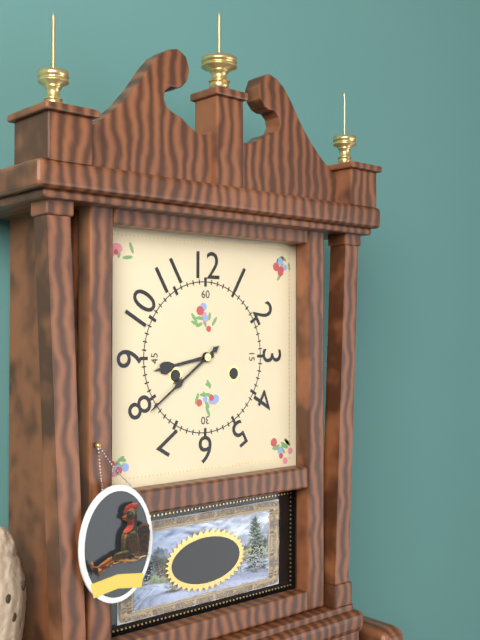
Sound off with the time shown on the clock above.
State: 8:39
